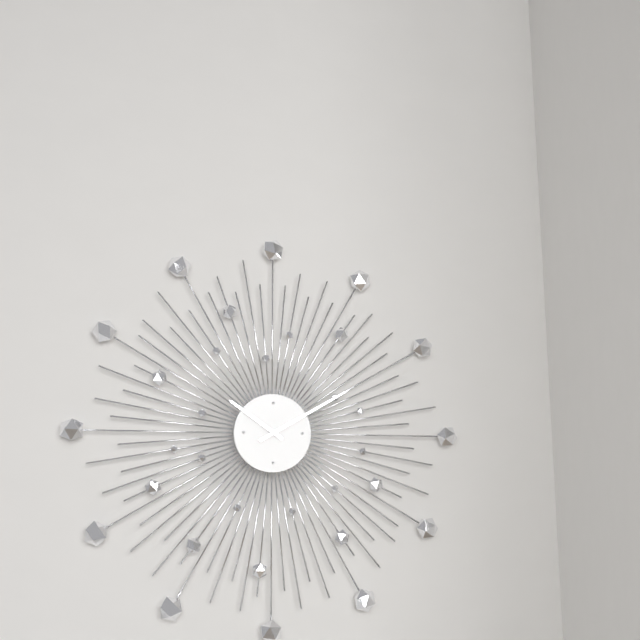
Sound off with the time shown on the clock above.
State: 10:10
